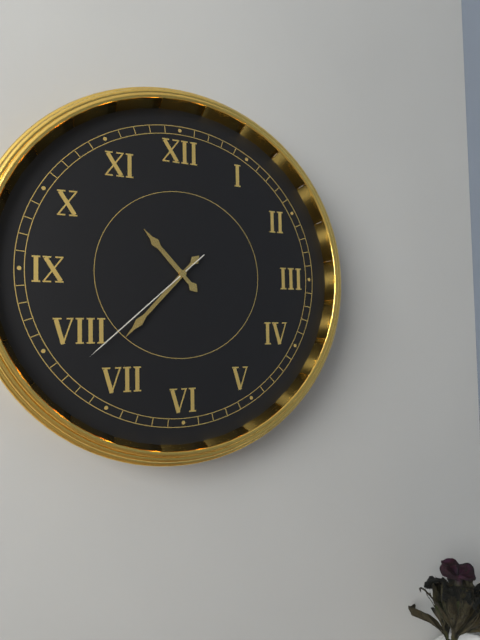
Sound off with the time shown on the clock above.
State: 10:37:38
